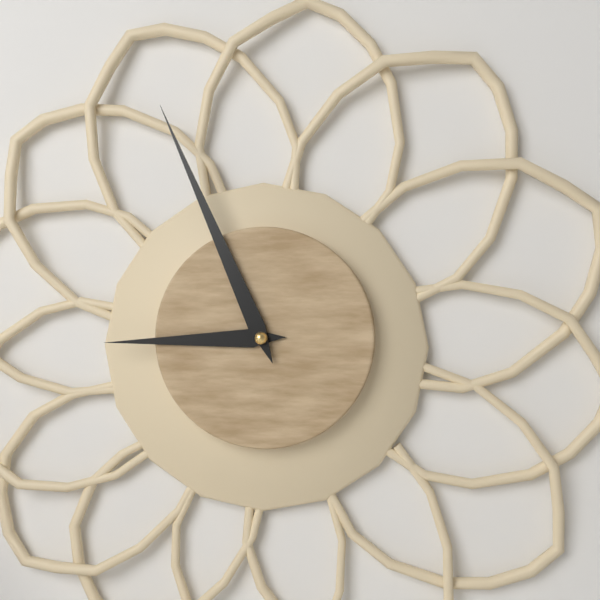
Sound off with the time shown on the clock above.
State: 8:56
